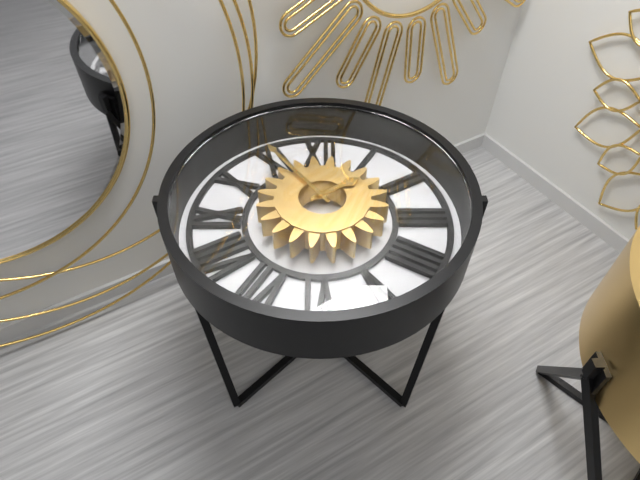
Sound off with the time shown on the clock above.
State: 1:54
